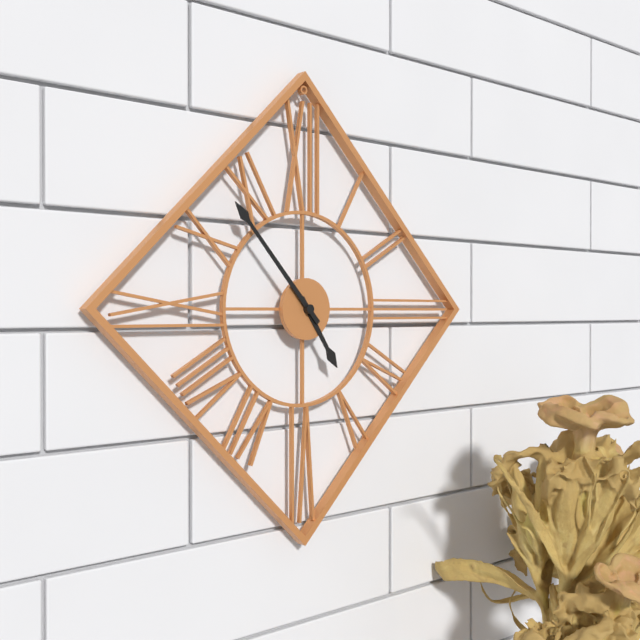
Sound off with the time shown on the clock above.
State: 4:53
